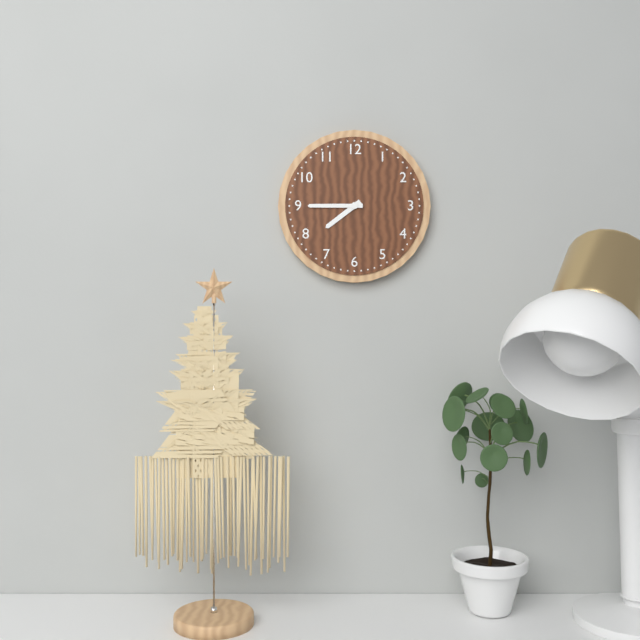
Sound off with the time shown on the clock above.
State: 7:45
